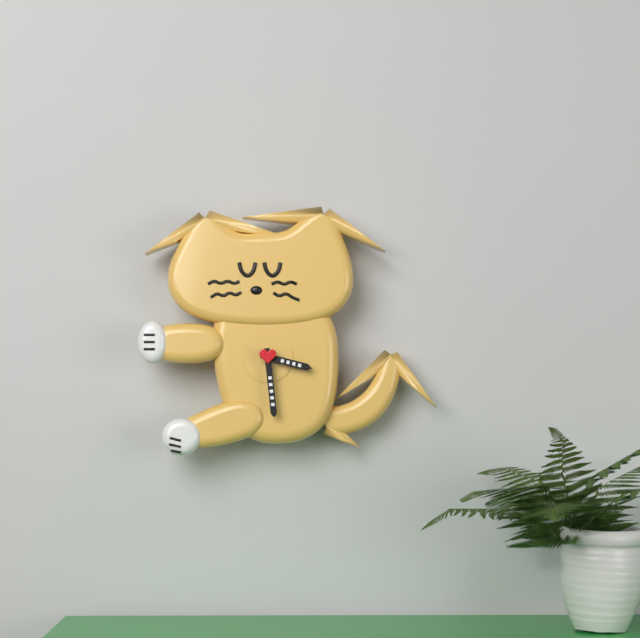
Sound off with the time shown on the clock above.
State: 3:29
